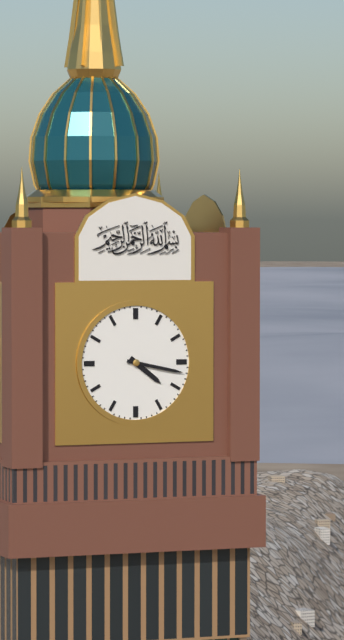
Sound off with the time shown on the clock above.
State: 4:17
